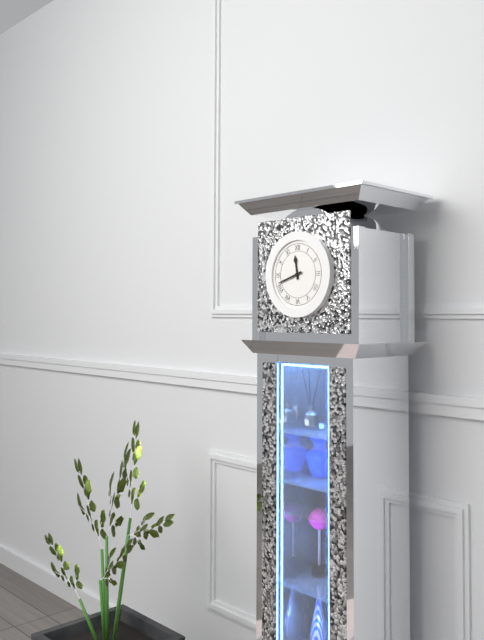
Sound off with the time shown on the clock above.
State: 11:42
